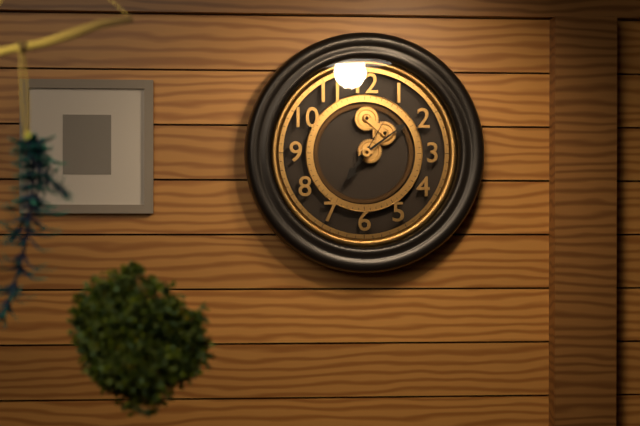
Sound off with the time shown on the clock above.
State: 7:09:05
